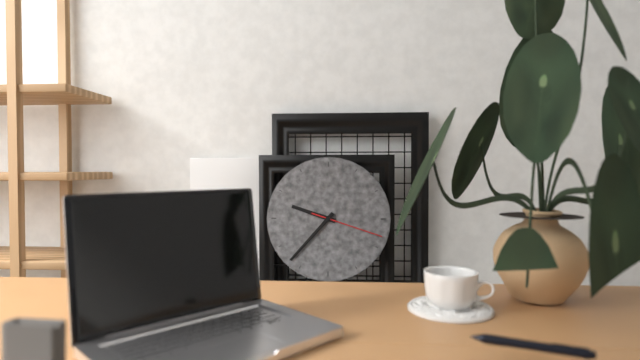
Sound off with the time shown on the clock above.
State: 9:37:18
